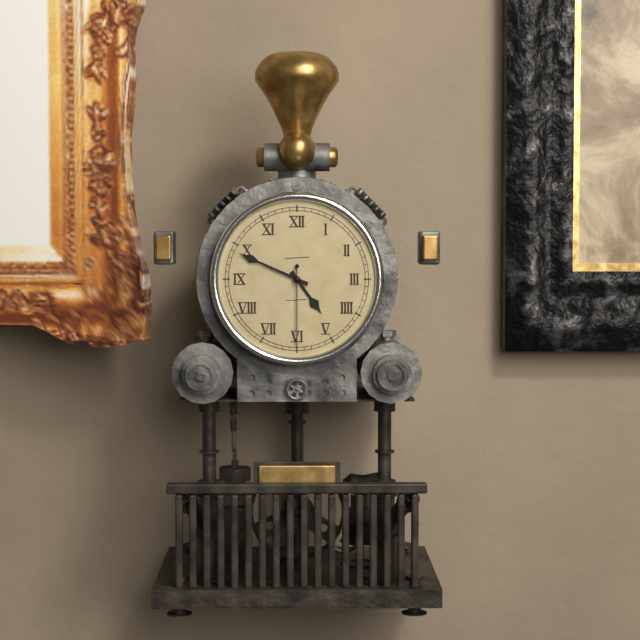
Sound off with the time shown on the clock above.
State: 4:49:30
